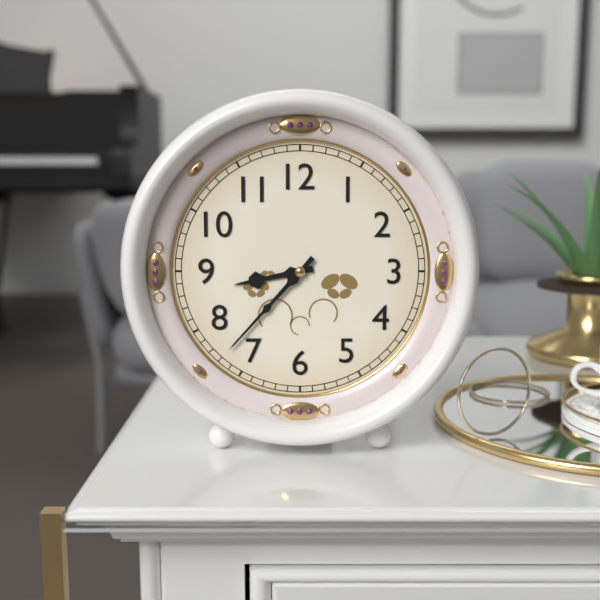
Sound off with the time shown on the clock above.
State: 8:37
